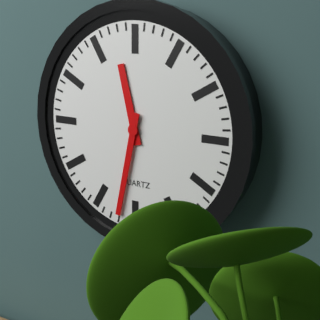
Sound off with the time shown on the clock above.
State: 11:32
